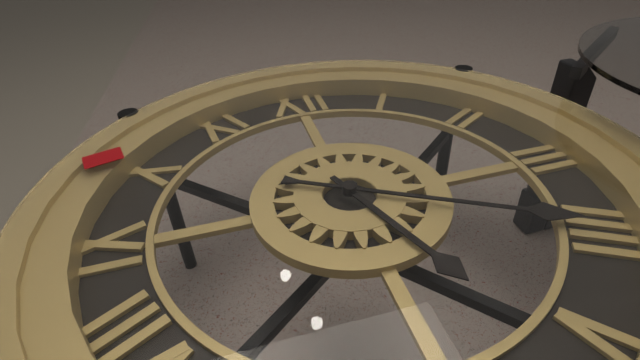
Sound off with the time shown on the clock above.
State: 5:20
